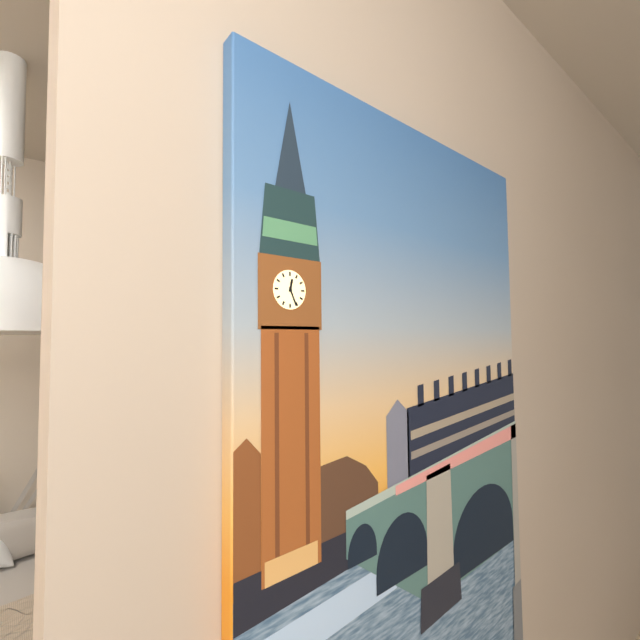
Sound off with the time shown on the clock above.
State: 12:26
